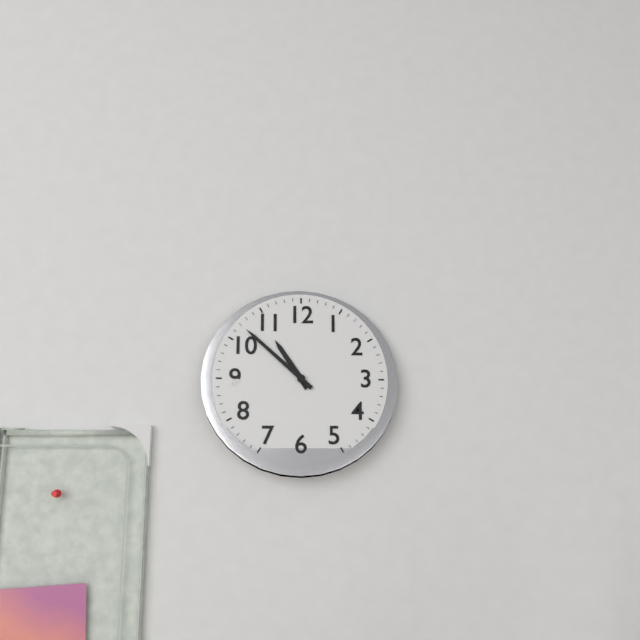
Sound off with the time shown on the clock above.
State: 10:52
